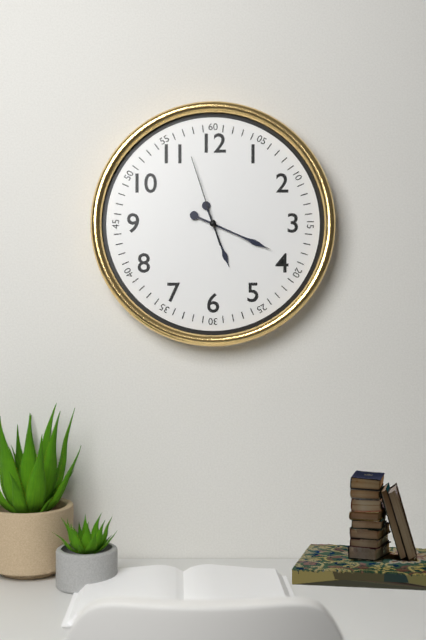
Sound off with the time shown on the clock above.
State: 5:19:57
